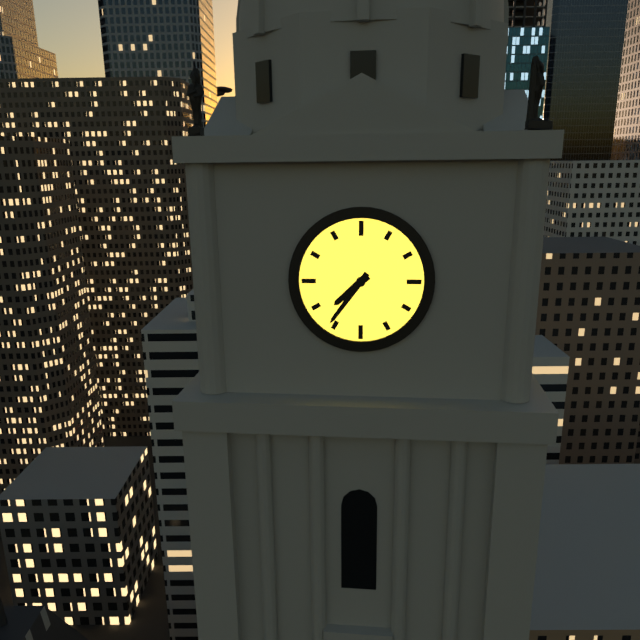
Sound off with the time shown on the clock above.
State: 7:36
